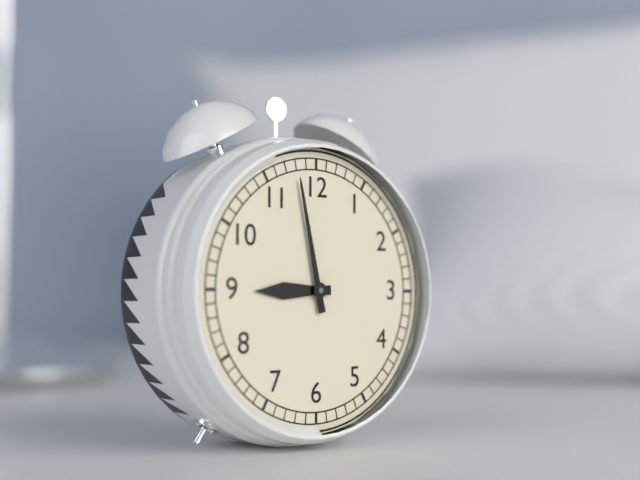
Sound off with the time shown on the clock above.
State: 8:58
